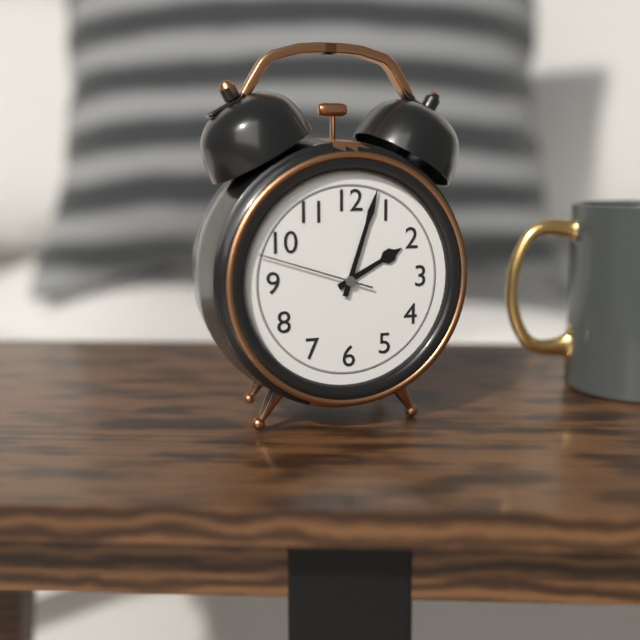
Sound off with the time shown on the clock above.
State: 2:03:48
